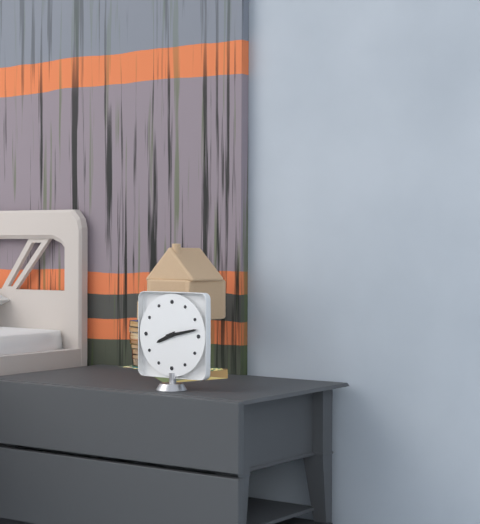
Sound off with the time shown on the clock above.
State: 8:13
